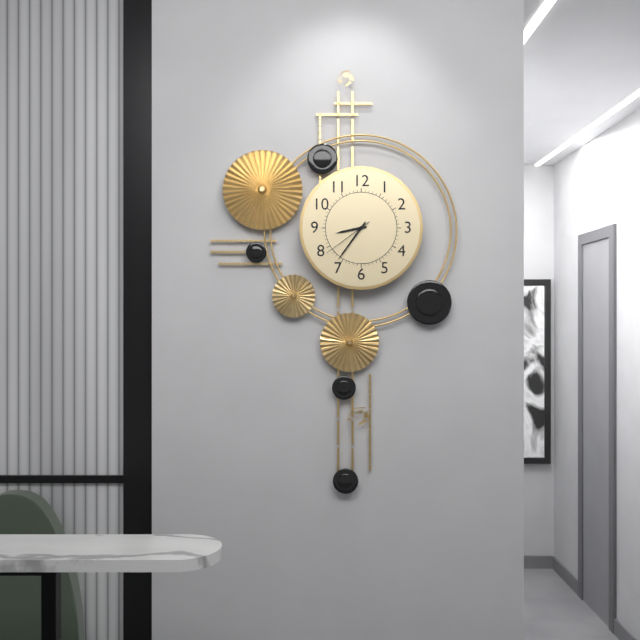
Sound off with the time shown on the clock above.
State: 8:36:39
